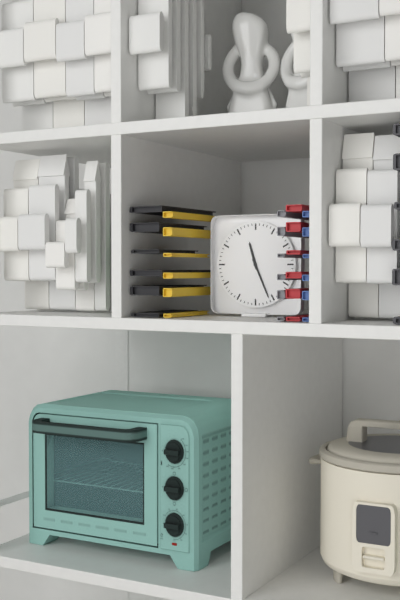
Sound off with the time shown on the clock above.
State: 11:26
